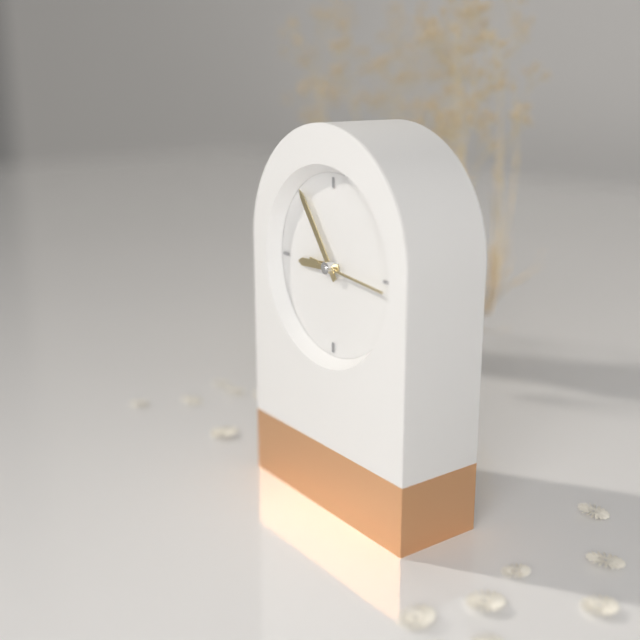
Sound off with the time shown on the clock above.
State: 8:54:16
